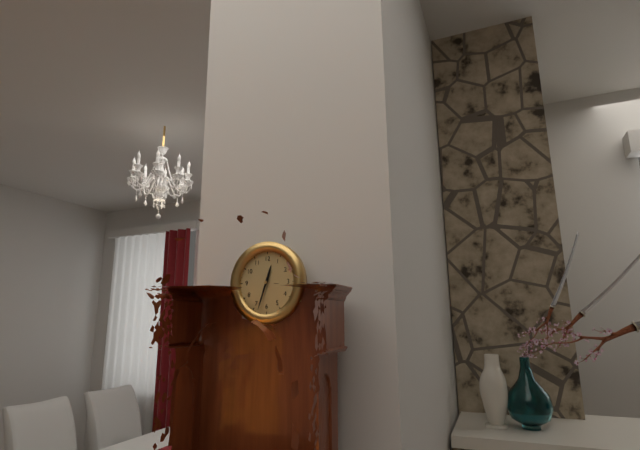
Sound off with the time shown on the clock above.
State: 12:33
